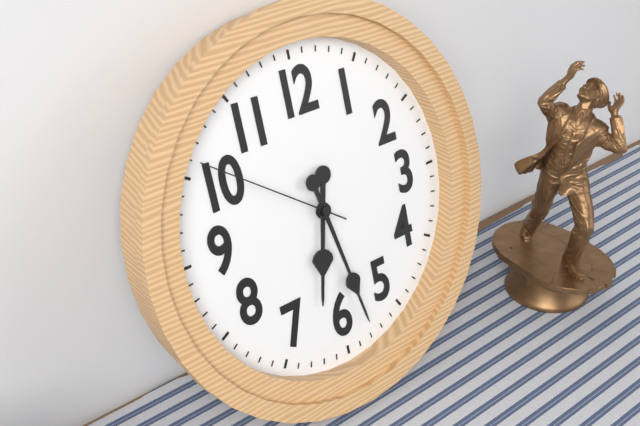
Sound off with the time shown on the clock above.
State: 6:28:51
